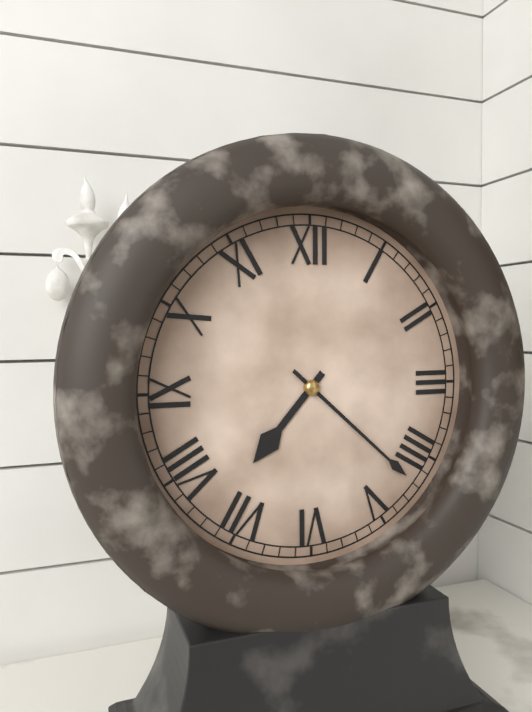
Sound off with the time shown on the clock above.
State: 7:22
